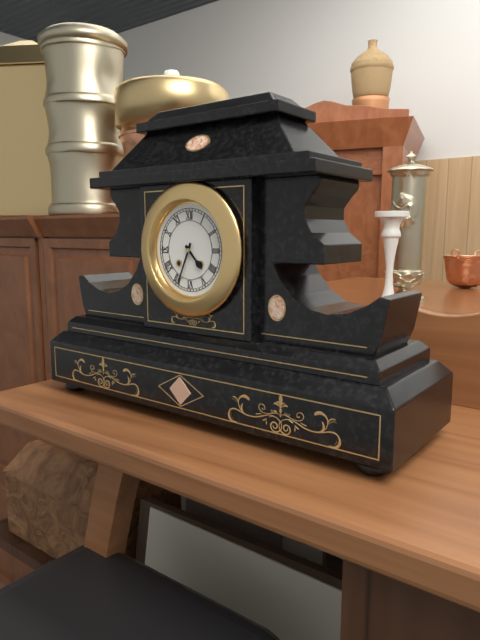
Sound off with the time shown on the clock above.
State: 4:34
